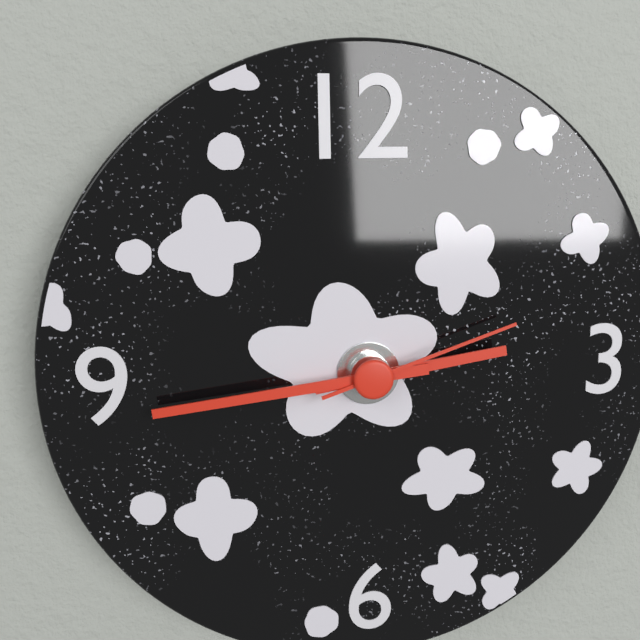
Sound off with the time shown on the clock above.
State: 2:44:12
